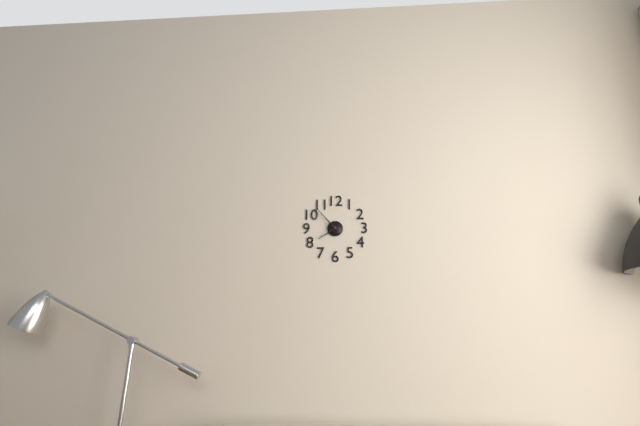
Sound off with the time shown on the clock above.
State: 7:53
